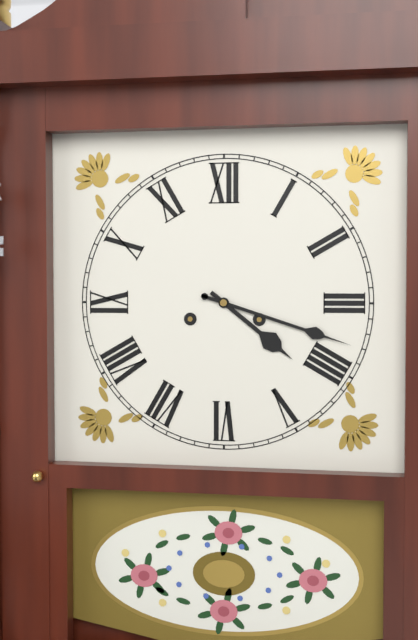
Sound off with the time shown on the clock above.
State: 4:18
